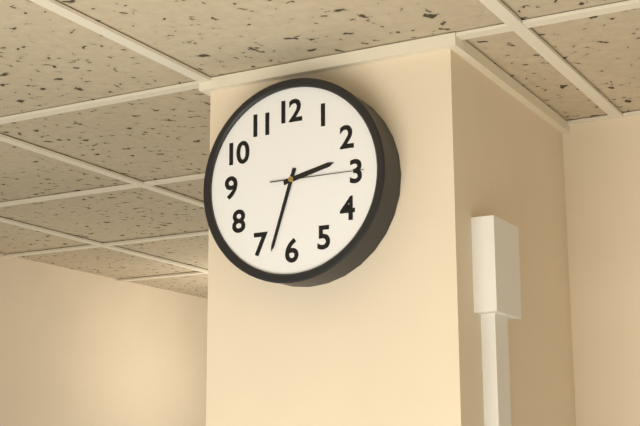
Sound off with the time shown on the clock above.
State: 2:33:15
